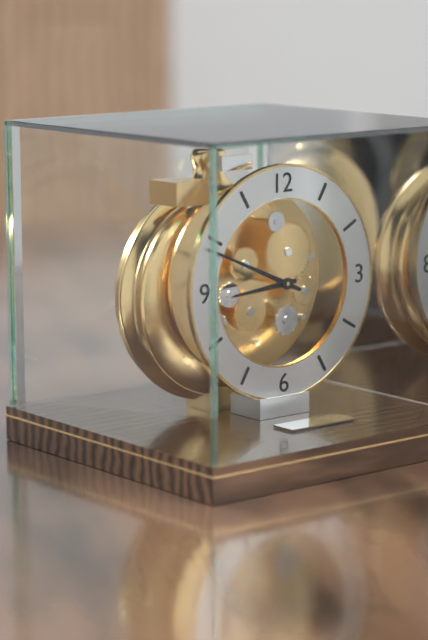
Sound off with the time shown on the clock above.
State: 8:49
